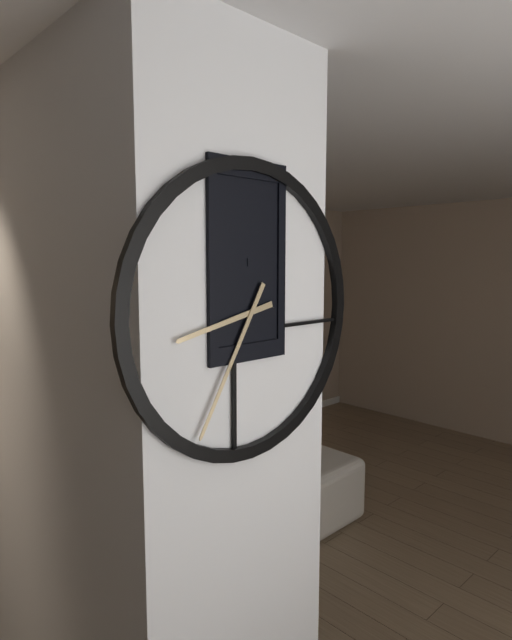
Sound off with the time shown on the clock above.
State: 8:35
